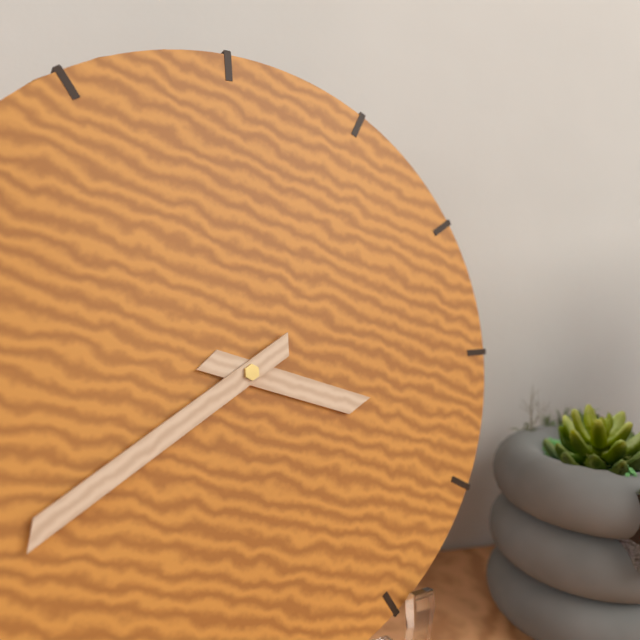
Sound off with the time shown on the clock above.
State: 3:40
